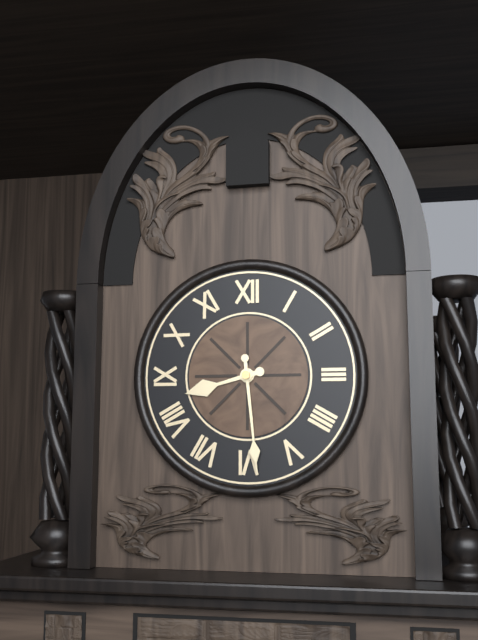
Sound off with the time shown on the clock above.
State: 8:29
